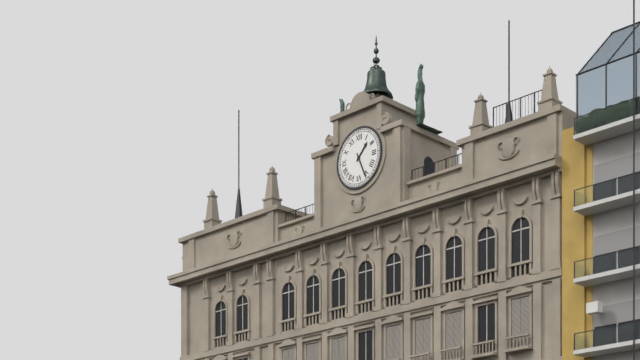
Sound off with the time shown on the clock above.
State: 1:26
